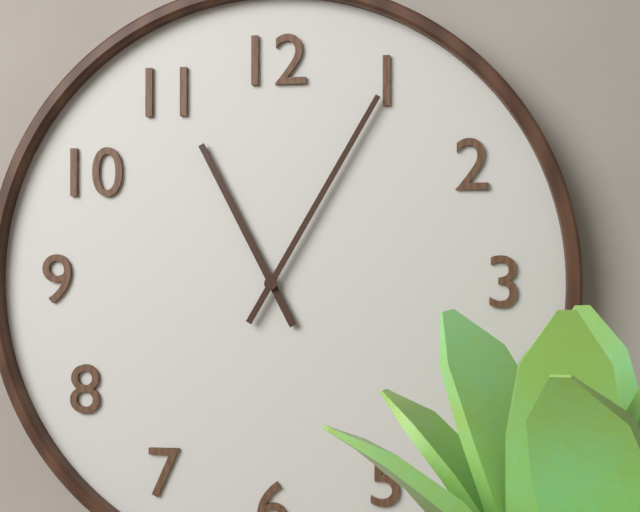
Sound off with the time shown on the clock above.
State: 11:05
